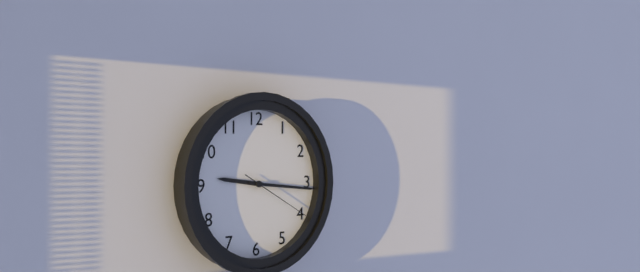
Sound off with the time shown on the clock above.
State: 9:16:20
